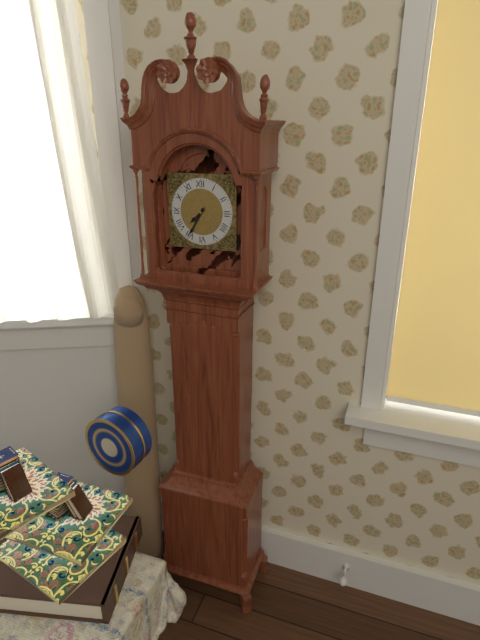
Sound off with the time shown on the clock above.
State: 7:35
